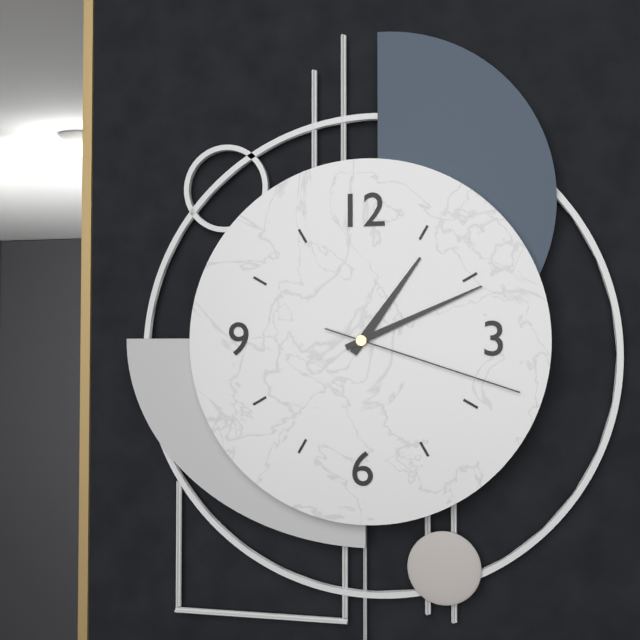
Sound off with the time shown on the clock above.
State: 1:11:18
